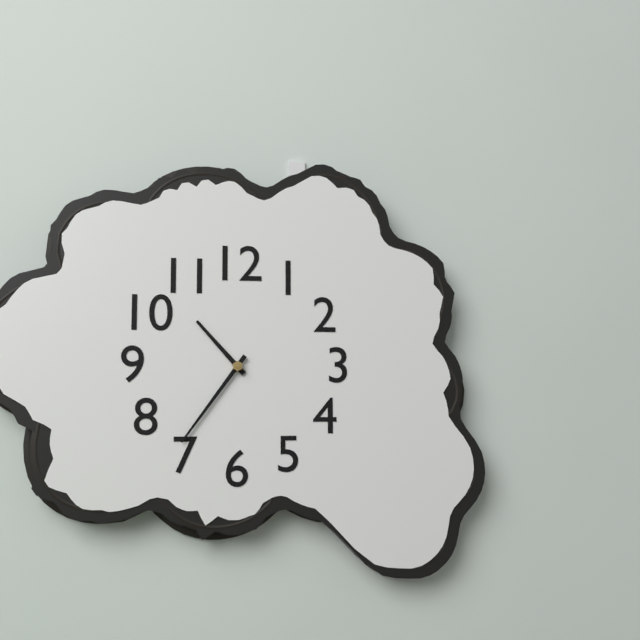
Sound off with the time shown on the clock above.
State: 10:36
